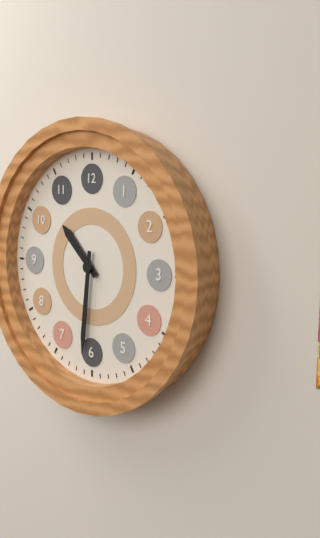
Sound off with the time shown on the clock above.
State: 10:31
